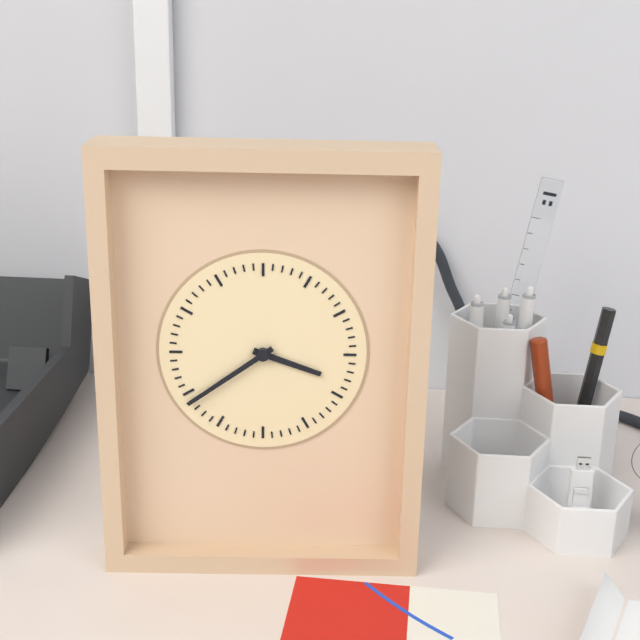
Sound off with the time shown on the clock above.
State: 3:39
